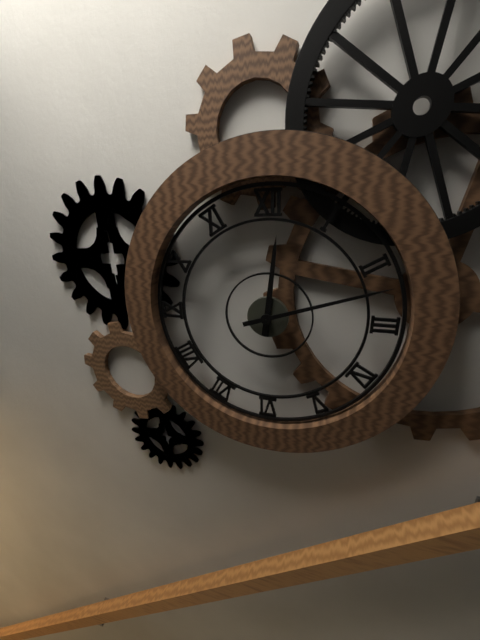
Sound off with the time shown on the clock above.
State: 12:12
